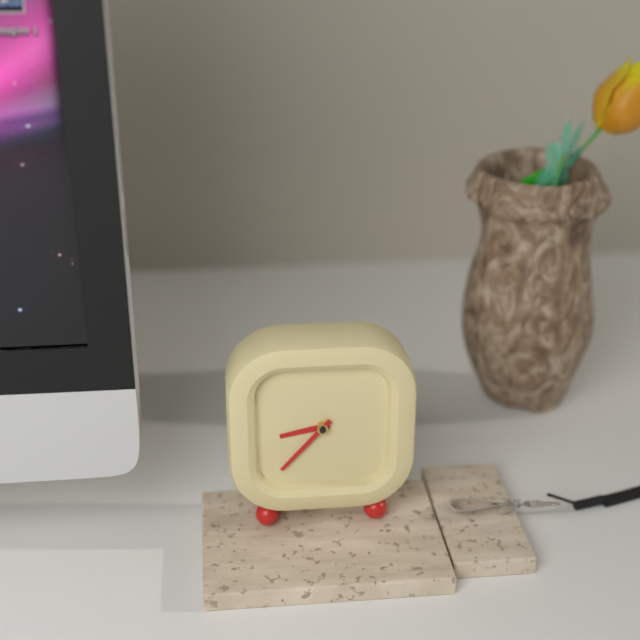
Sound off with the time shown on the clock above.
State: 8:37
